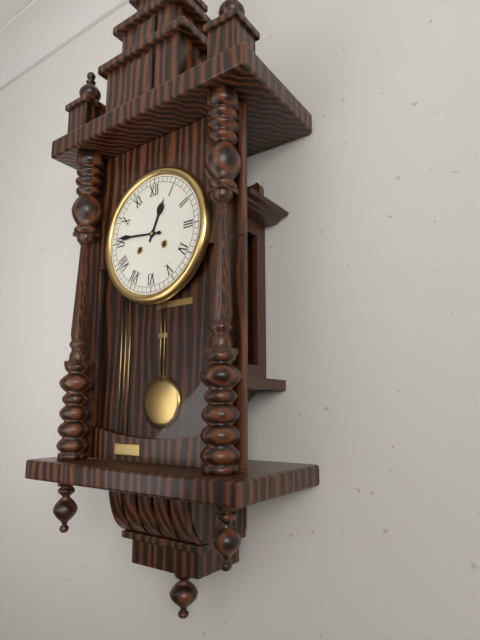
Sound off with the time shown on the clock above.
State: 12:46
